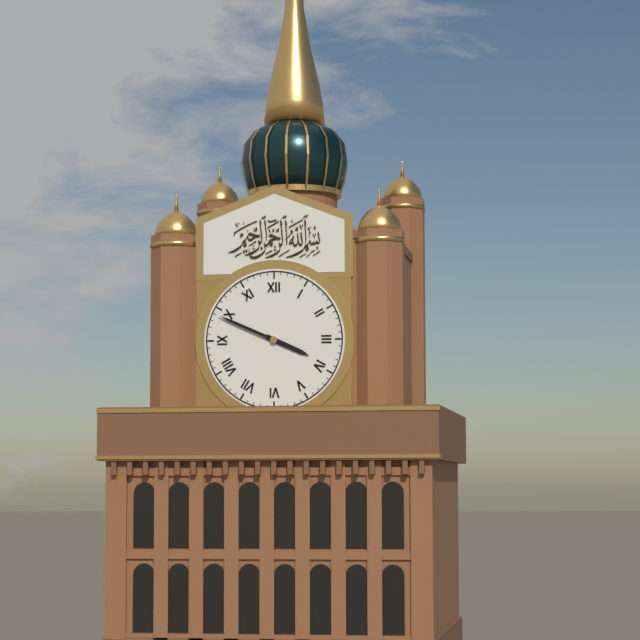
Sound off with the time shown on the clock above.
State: 3:49
